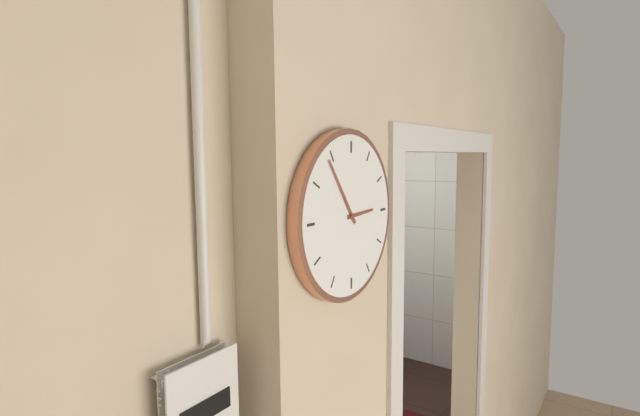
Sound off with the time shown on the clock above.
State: 2:54
